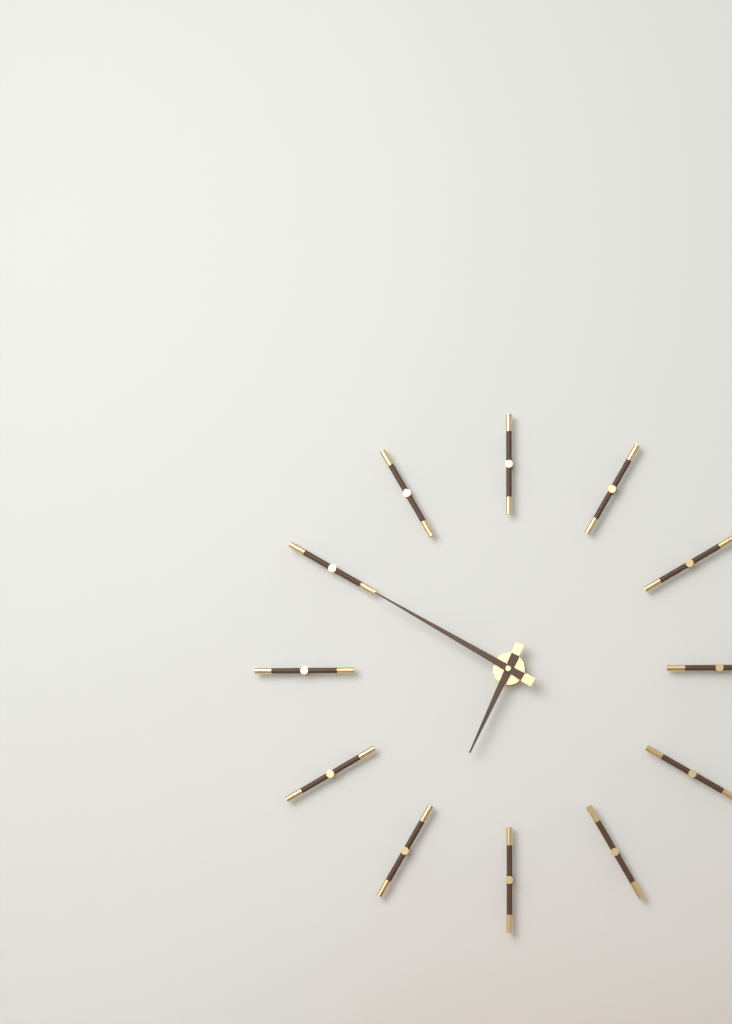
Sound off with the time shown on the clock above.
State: 6:50
